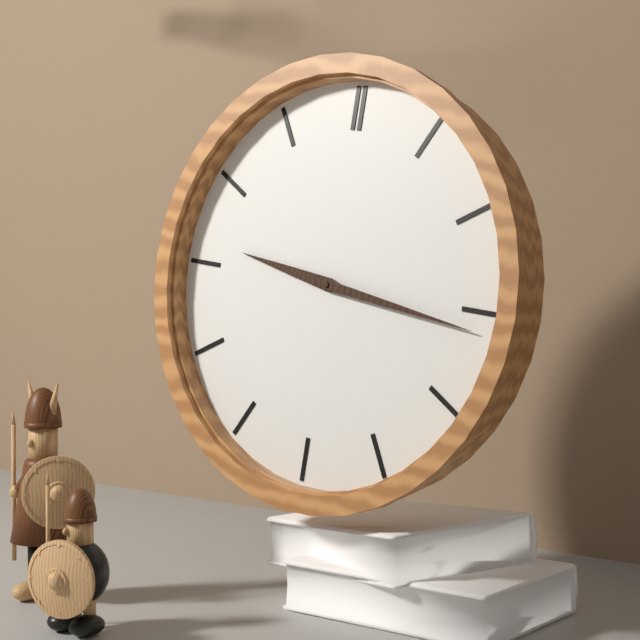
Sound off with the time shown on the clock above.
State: 9:16
